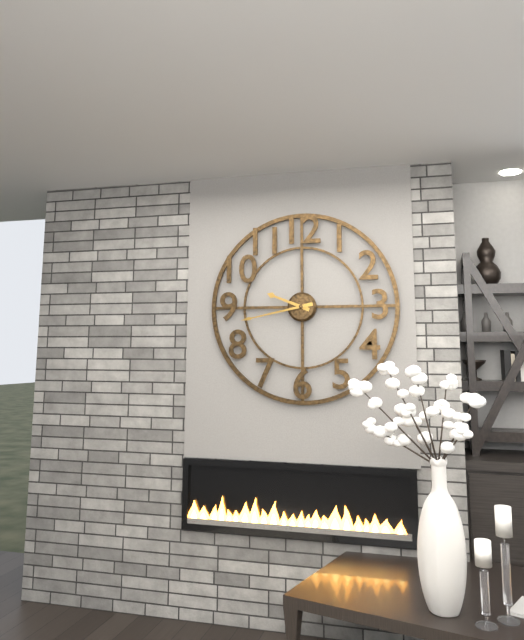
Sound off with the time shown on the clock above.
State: 9:43
